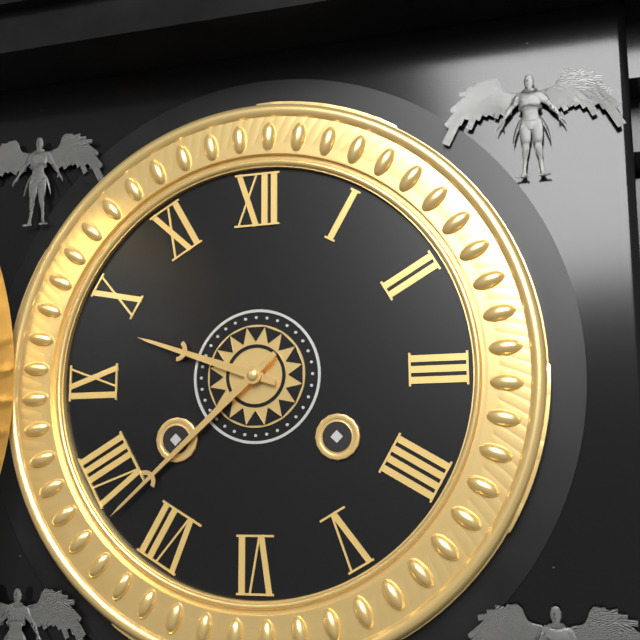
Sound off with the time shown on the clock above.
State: 9:38
